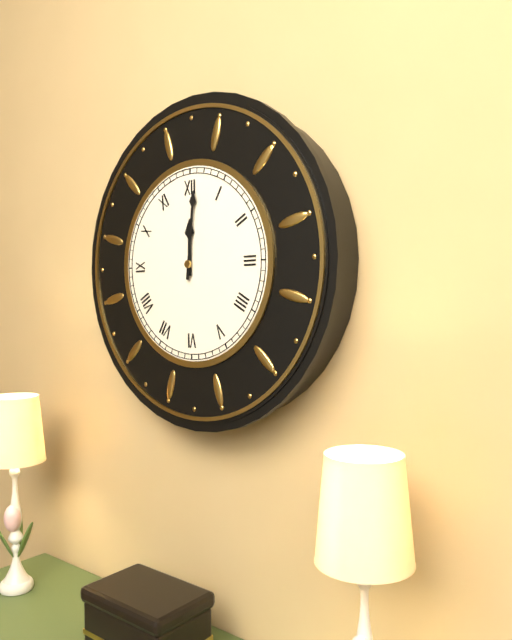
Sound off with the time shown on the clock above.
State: 12:01
